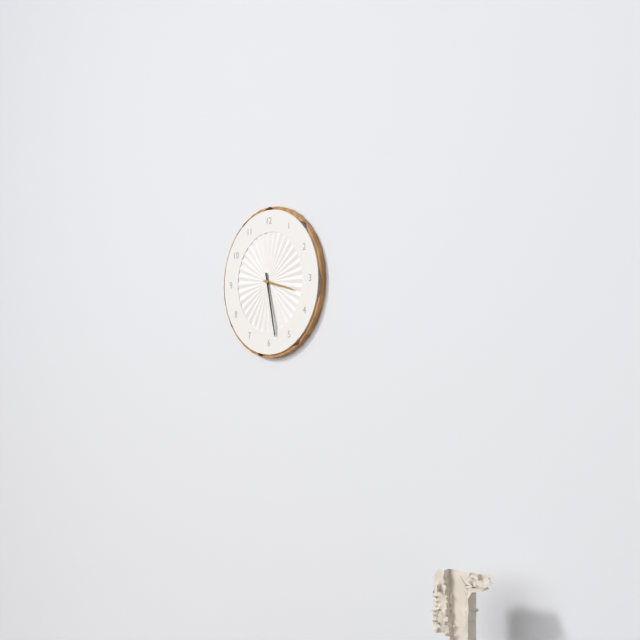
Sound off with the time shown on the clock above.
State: 3:28
